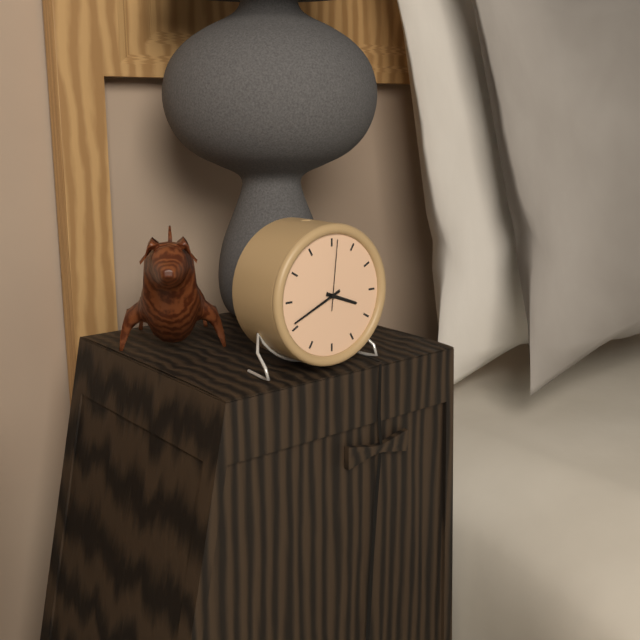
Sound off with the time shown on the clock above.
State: 3:41:01
